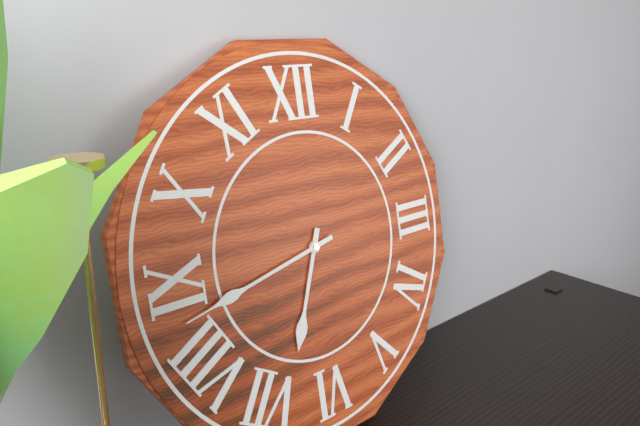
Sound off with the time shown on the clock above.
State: 6:43
